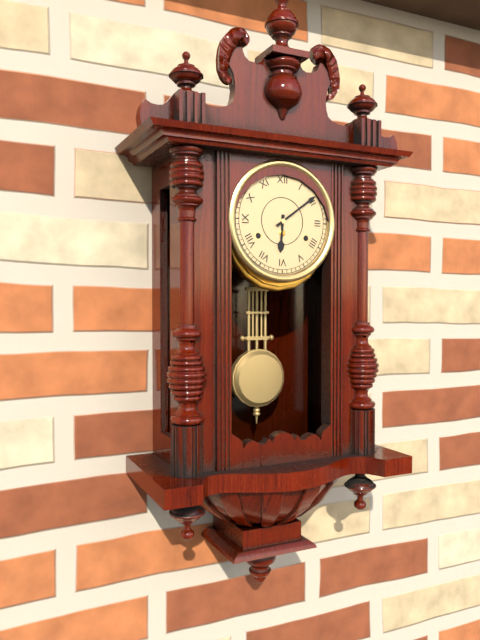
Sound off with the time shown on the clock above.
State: 6:09
